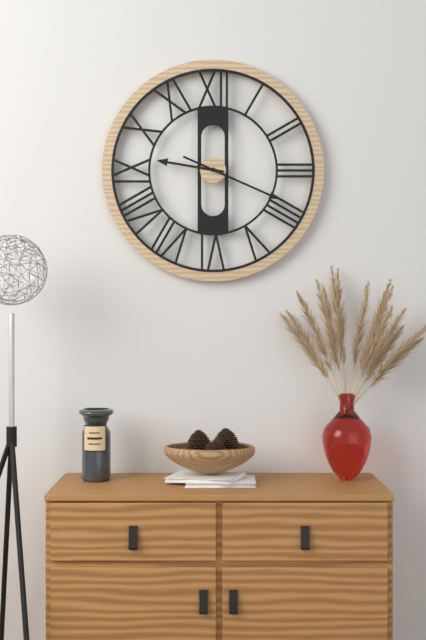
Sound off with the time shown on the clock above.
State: 9:19
